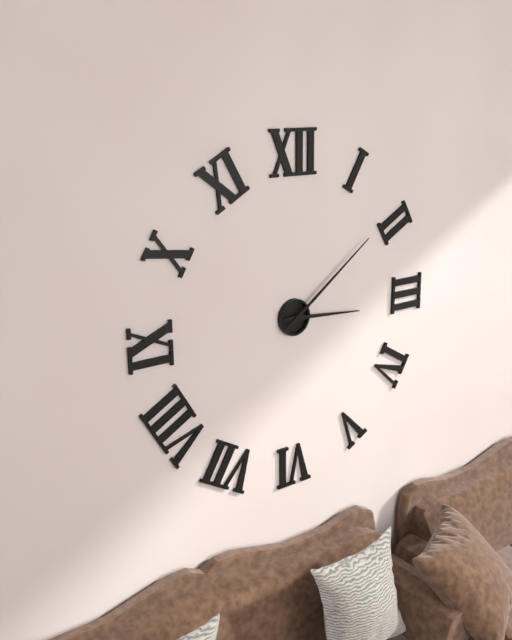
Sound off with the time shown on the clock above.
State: 3:09
